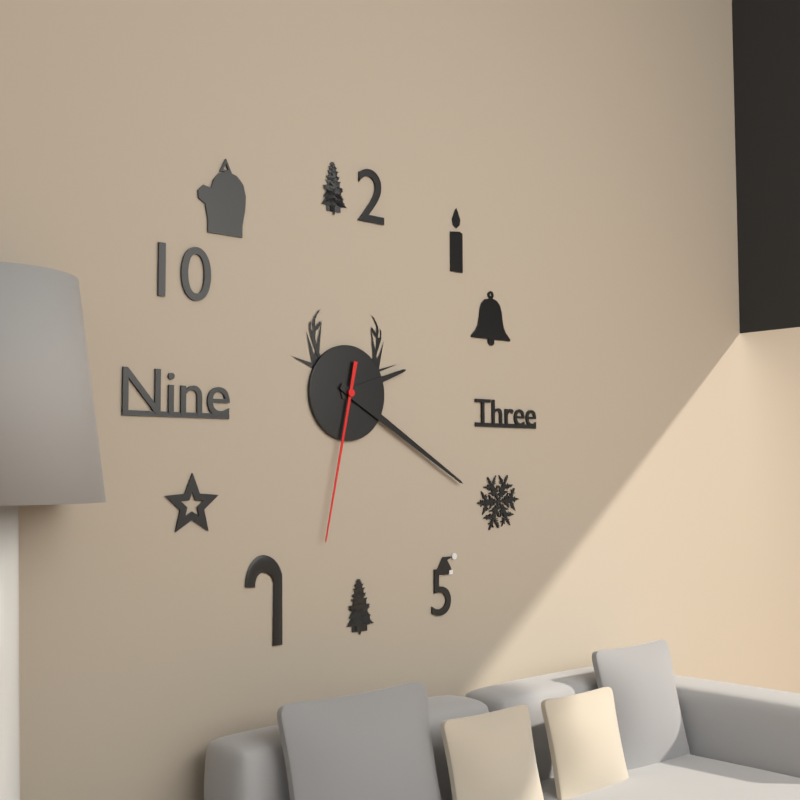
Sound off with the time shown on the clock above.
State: 2:20:32
